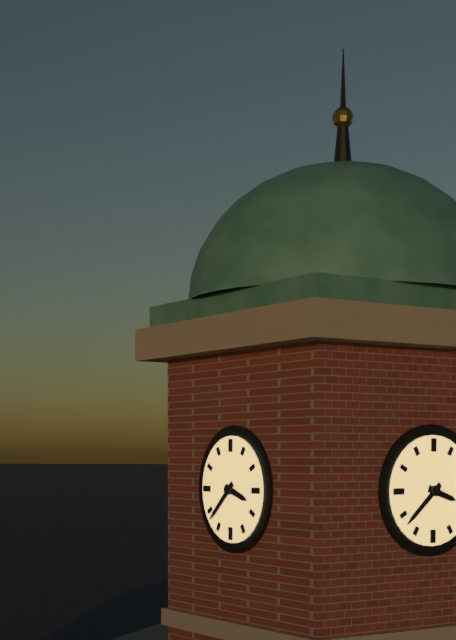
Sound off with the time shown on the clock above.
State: 3:38
